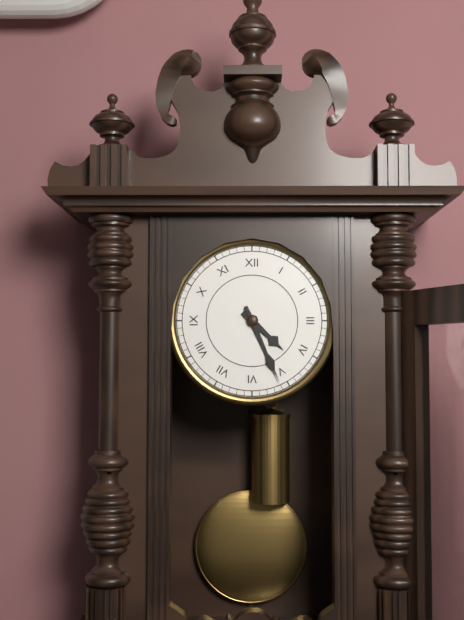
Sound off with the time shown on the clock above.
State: 4:26
